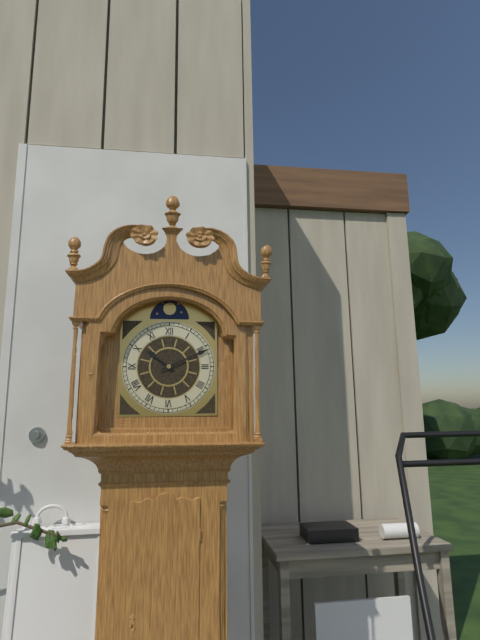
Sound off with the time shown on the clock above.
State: 10:11
